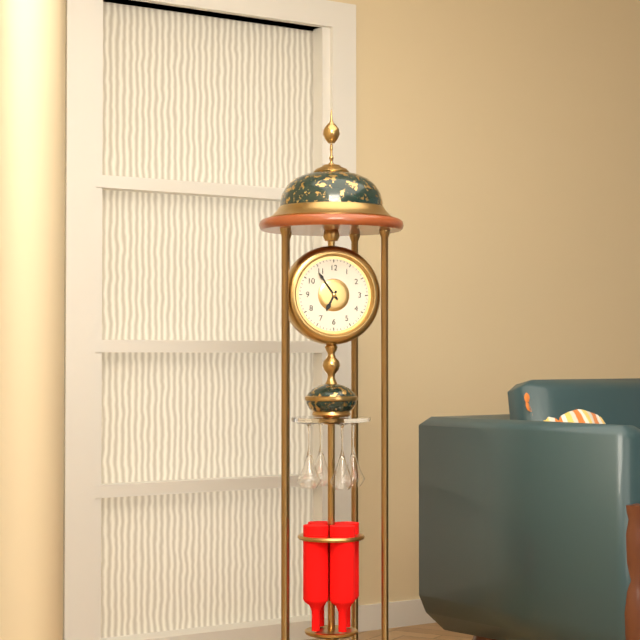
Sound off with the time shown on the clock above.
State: 6:54
